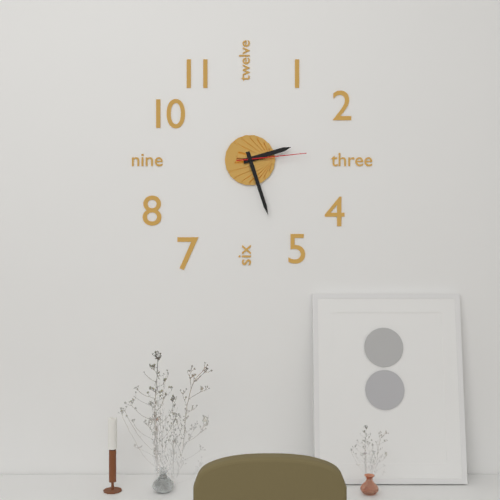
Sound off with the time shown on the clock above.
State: 2:27:14
